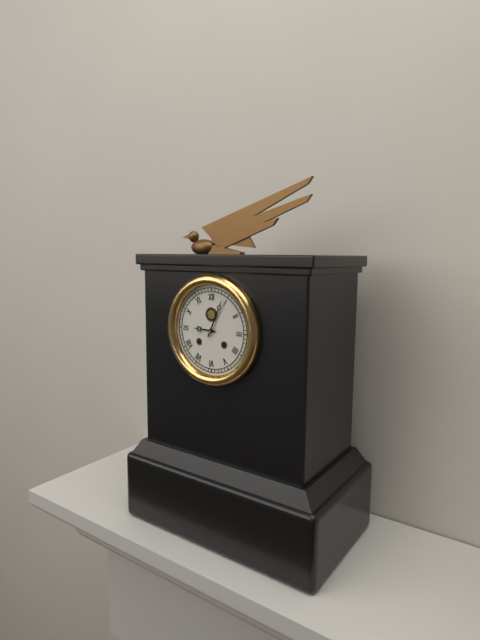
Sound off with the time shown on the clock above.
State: 9:04
